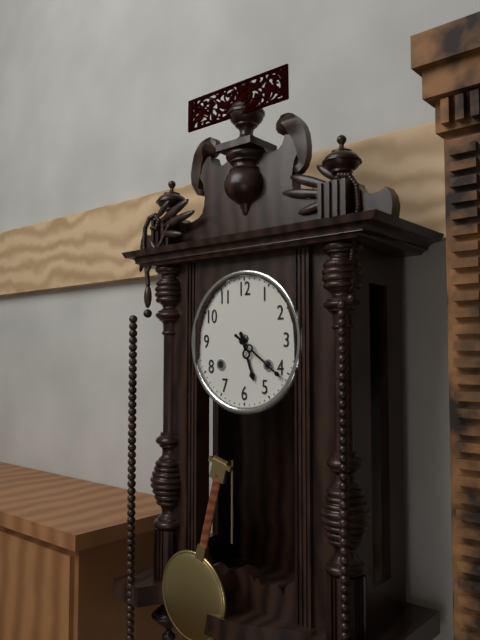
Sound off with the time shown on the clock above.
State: 5:21
